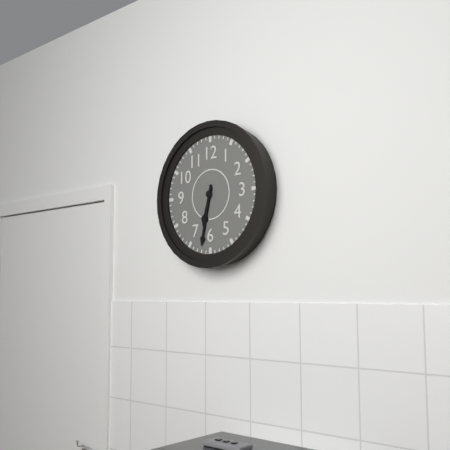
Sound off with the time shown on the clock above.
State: 6:32
